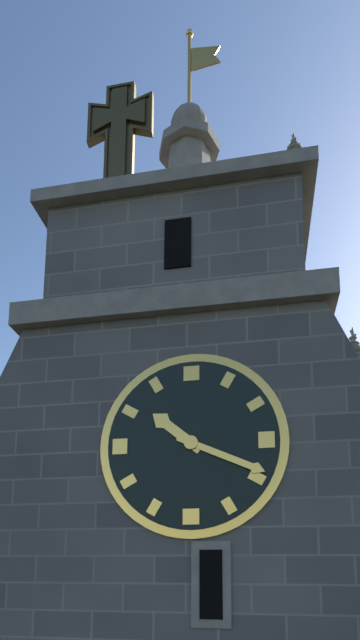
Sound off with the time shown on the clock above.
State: 10:19
